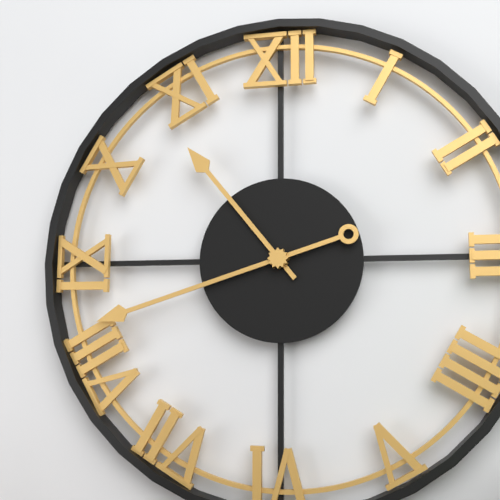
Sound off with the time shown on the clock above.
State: 10:42
